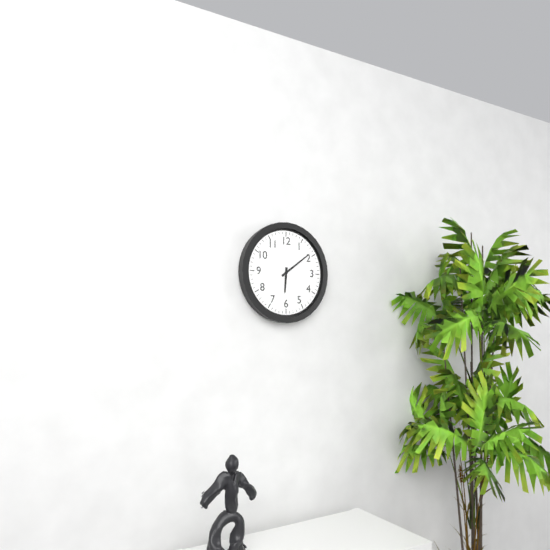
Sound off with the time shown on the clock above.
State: 6:09
